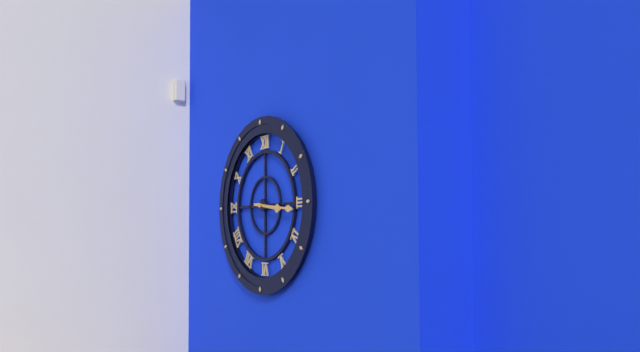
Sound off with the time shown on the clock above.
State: 3:16
